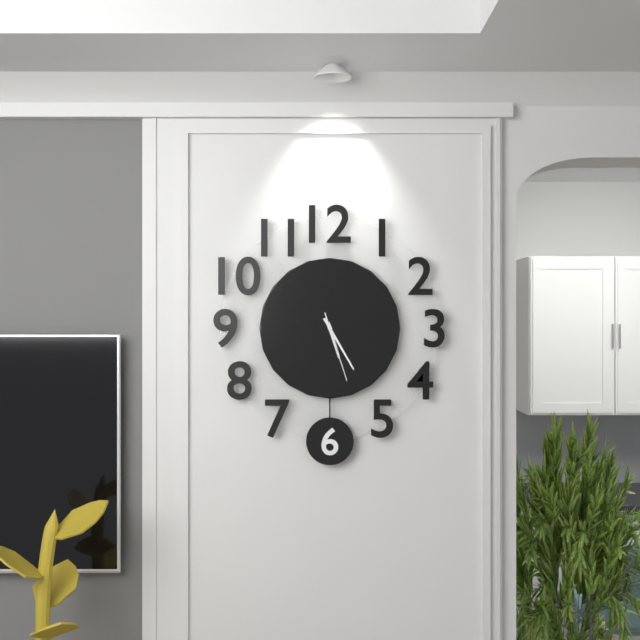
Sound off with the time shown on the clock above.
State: 5:25:27
